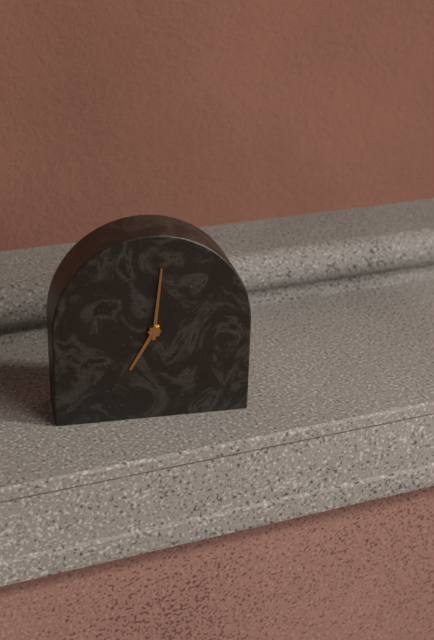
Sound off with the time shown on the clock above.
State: 7:01
